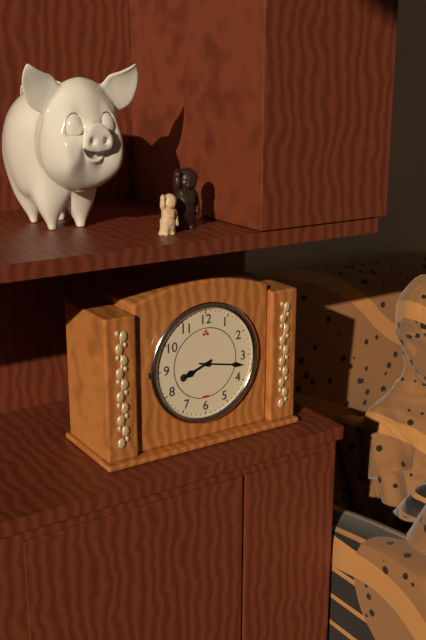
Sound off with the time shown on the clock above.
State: 8:17
